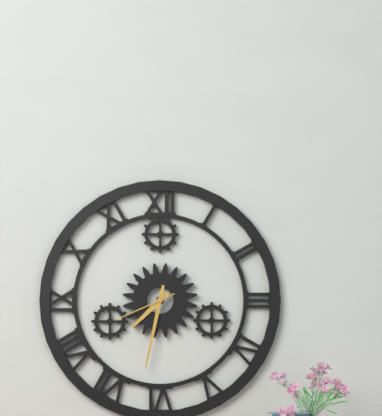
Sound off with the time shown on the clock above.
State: 7:32:41
